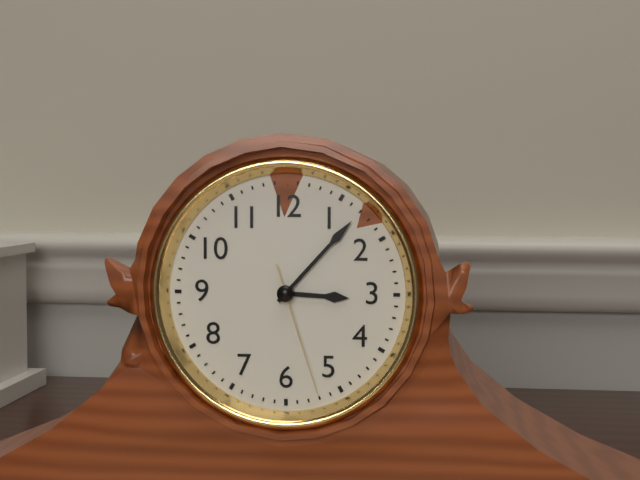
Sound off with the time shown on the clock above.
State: 3:07:27
